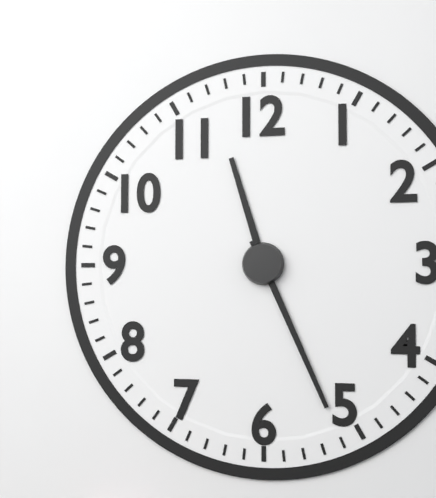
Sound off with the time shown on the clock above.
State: 11:26
